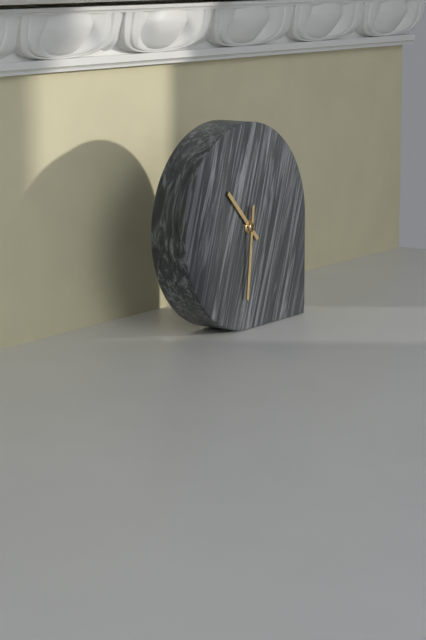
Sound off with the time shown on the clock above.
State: 10:31
